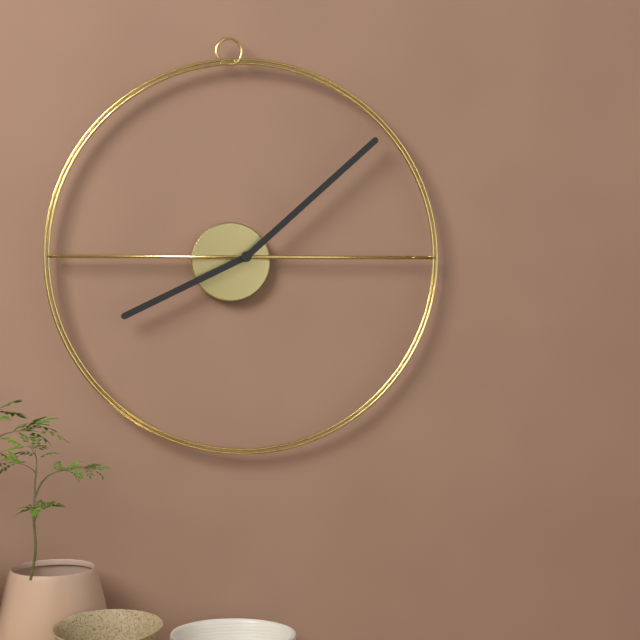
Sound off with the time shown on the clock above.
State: 8:08
